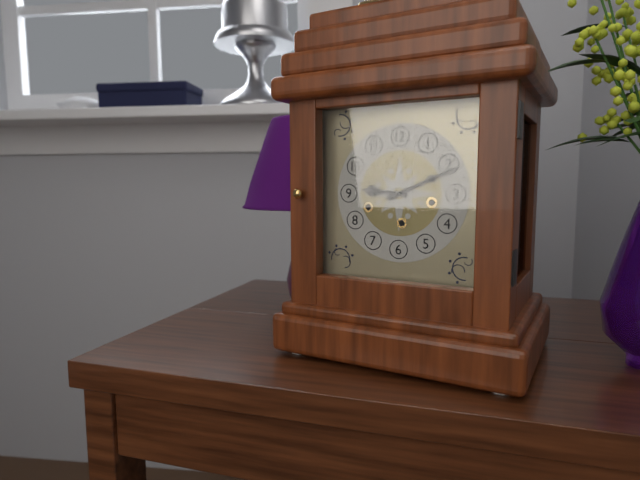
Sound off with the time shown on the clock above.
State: 9:11
